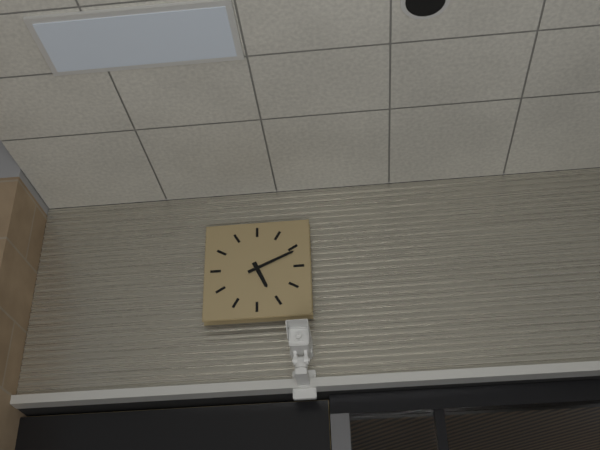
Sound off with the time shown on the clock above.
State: 5:11
